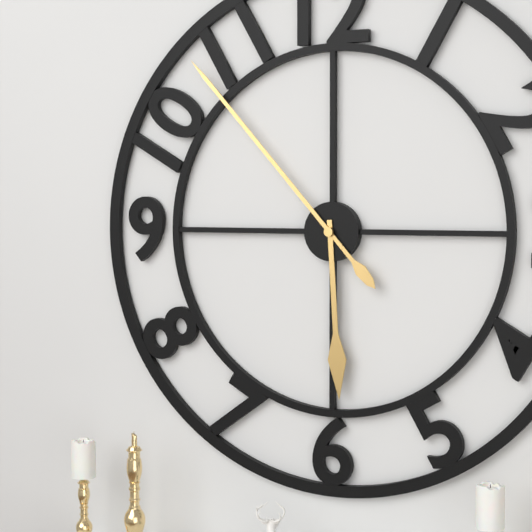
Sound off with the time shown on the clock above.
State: 5:53
